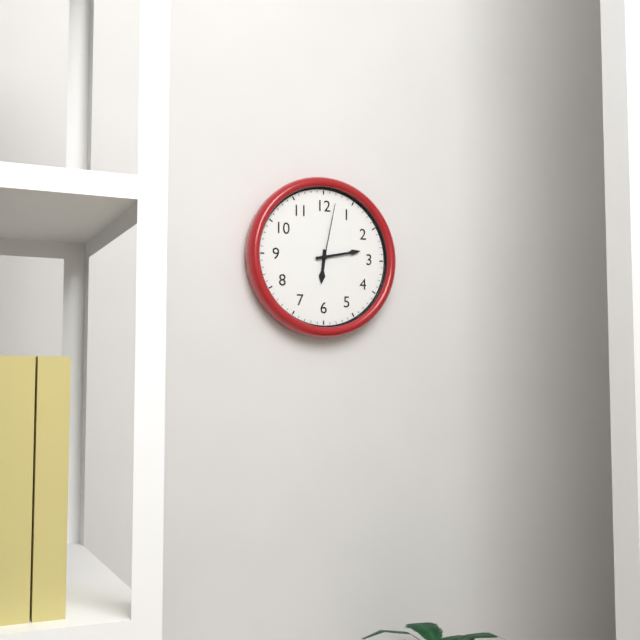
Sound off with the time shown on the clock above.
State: 6:13:02
